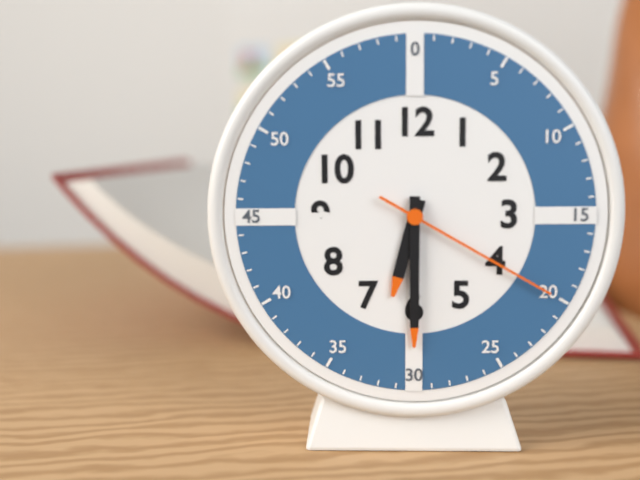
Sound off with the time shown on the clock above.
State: 6:30:20
